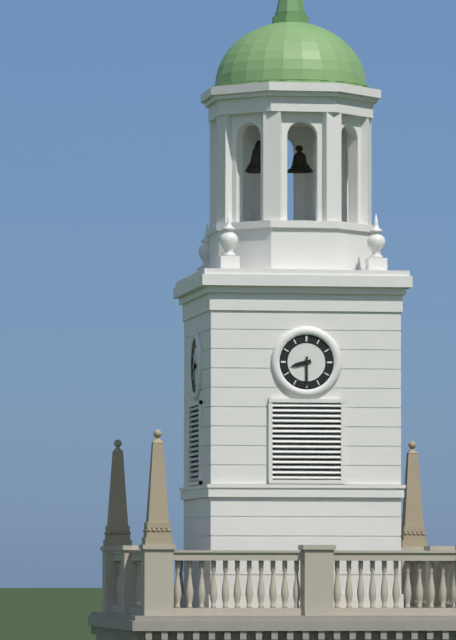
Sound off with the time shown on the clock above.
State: 8:30
